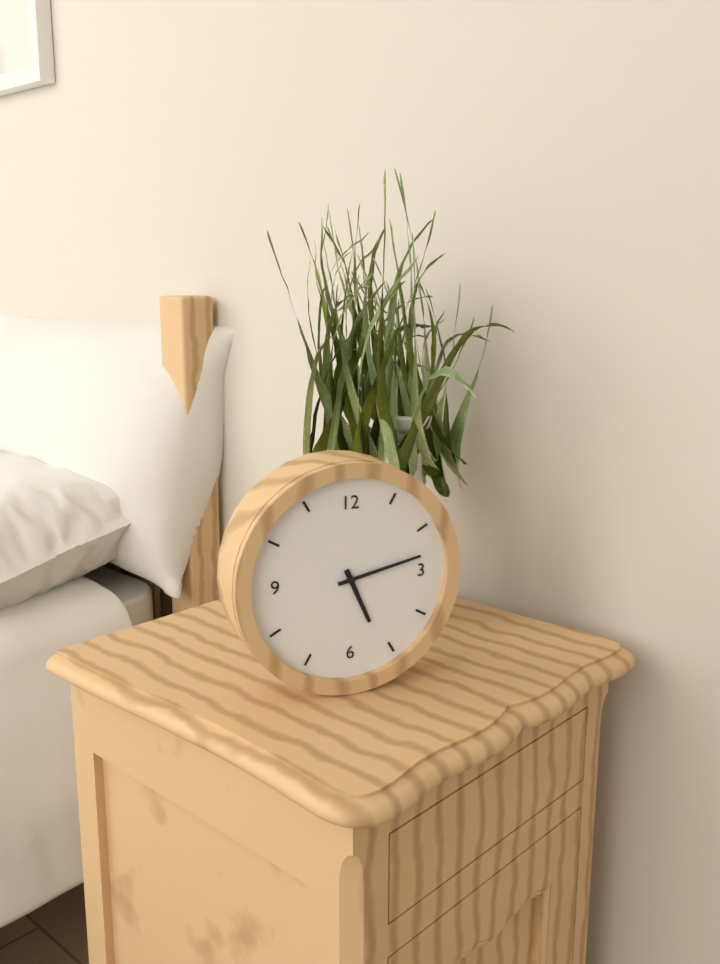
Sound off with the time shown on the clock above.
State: 5:13
